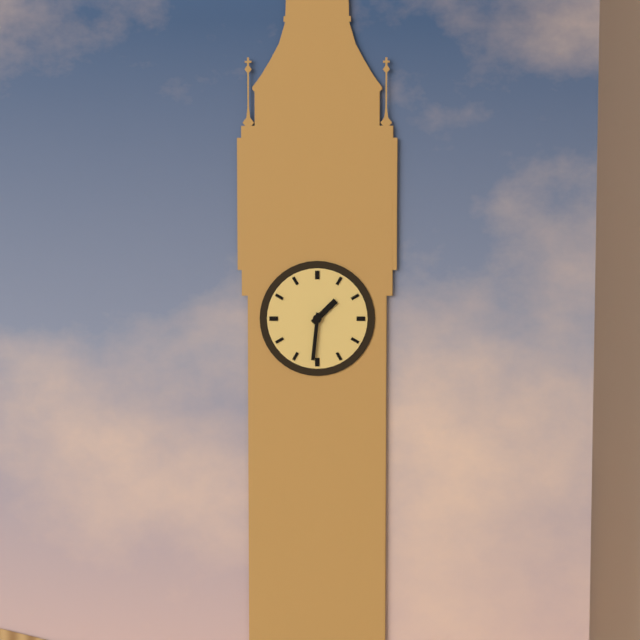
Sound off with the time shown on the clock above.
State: 1:31
